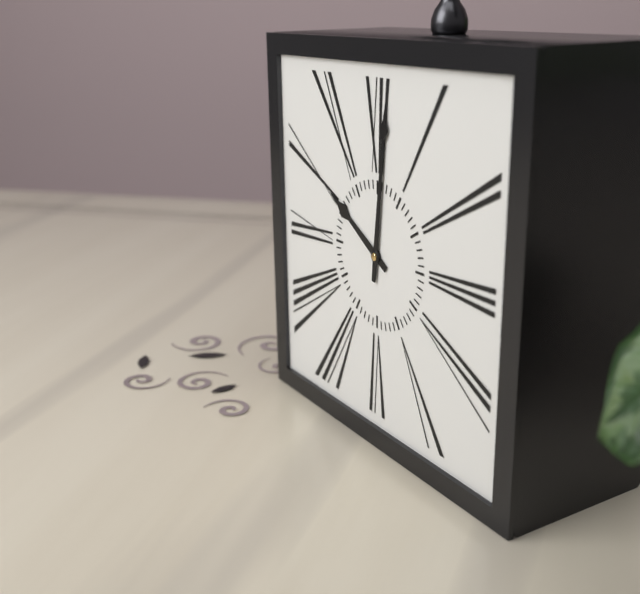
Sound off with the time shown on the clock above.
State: 10:01
